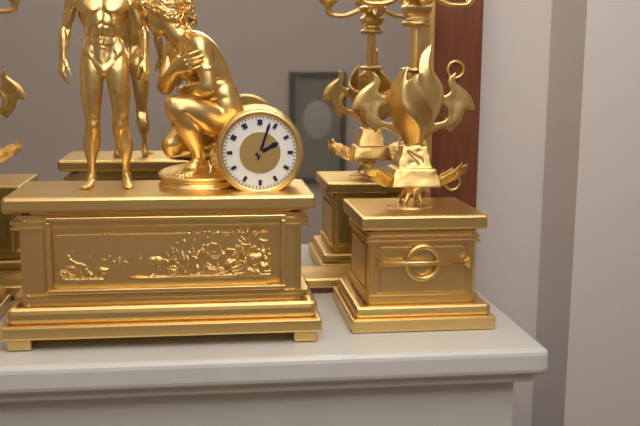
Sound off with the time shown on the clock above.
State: 2:03
